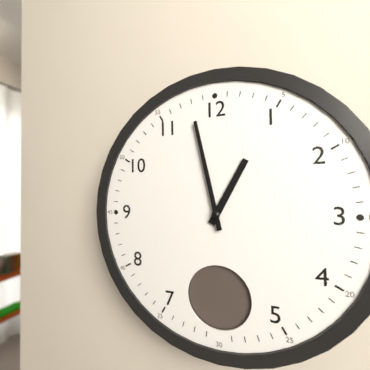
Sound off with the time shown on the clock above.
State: 12:58
